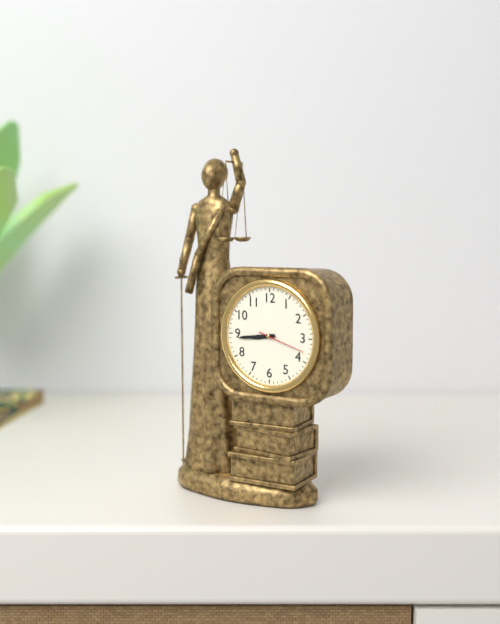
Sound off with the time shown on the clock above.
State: 8:44
